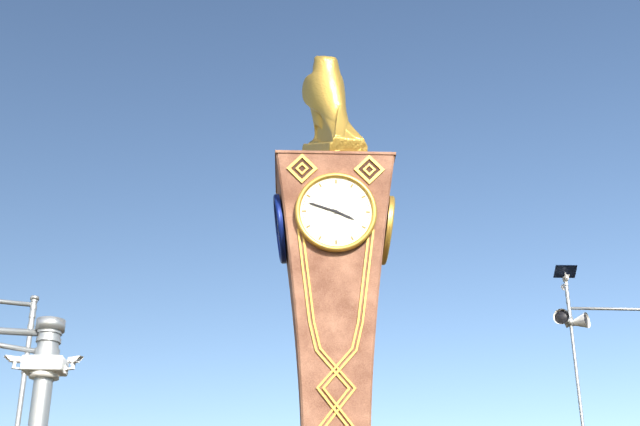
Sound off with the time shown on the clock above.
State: 3:48
